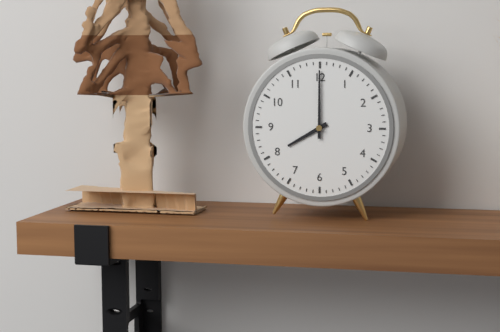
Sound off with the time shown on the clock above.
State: 8:00
